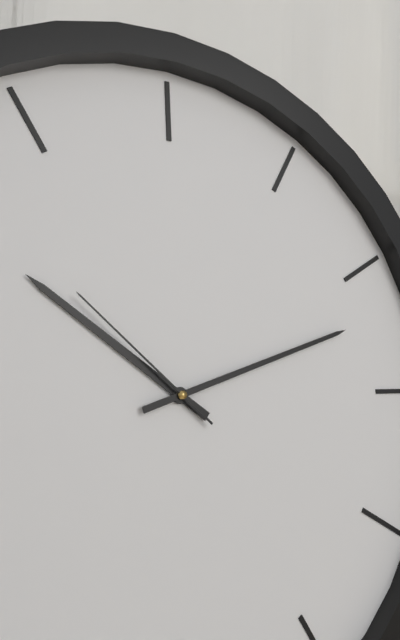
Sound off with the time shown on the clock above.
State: 10:12:52
